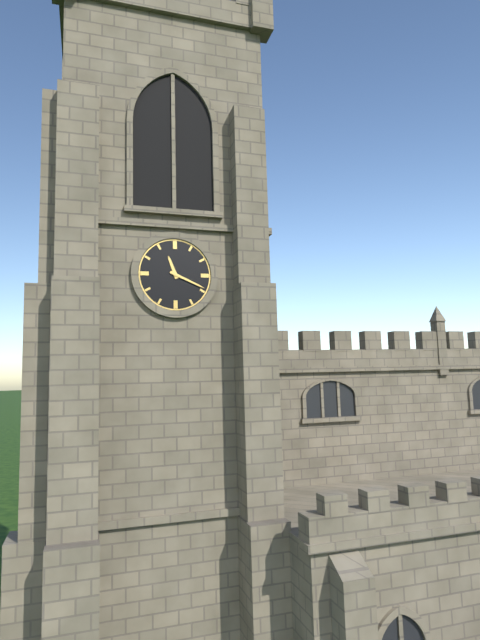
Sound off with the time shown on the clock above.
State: 11:19
